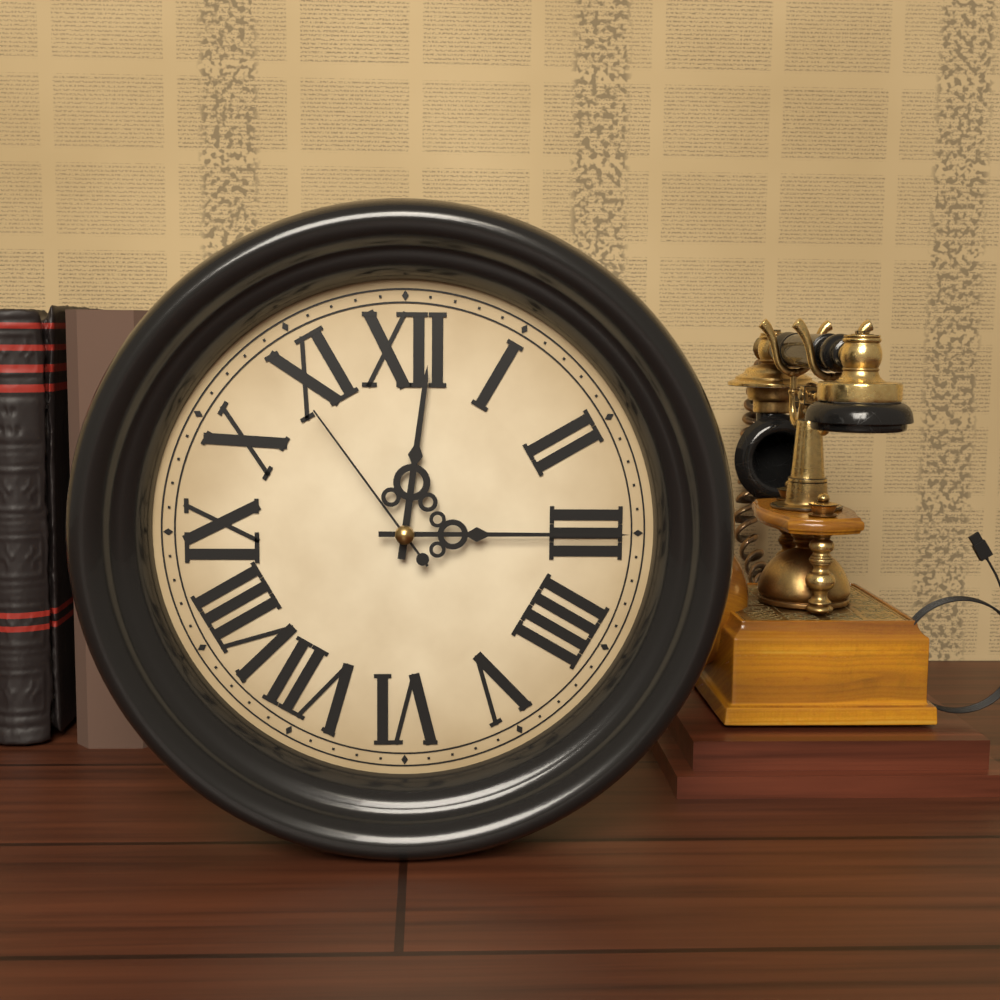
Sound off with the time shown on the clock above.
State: 12:15:54
